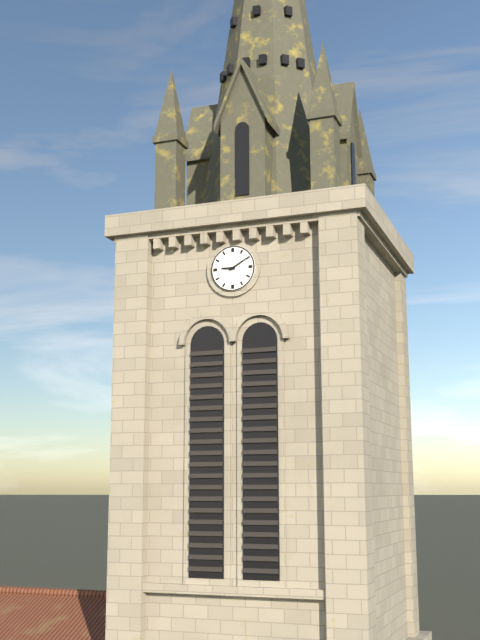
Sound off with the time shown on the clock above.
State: 9:10
